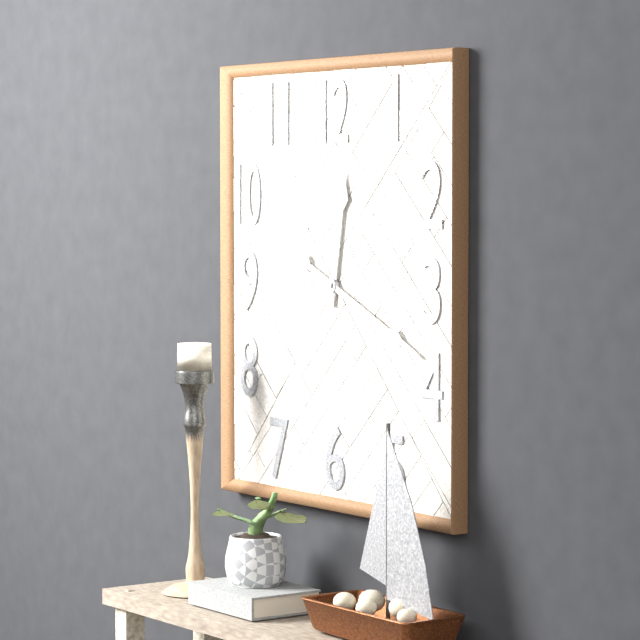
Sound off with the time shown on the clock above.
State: 12:19
